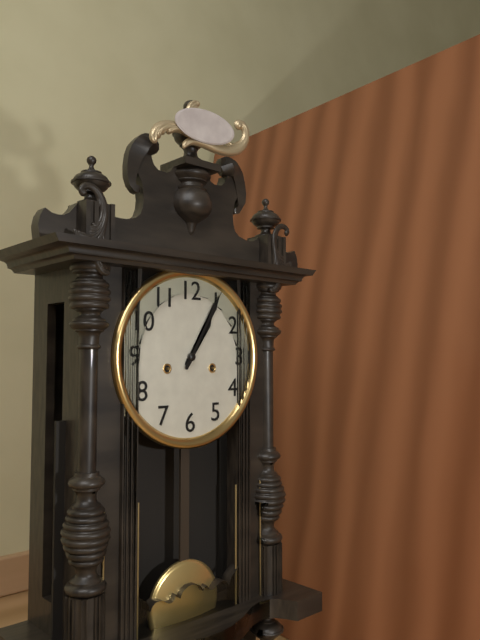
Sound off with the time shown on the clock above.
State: 1:05
